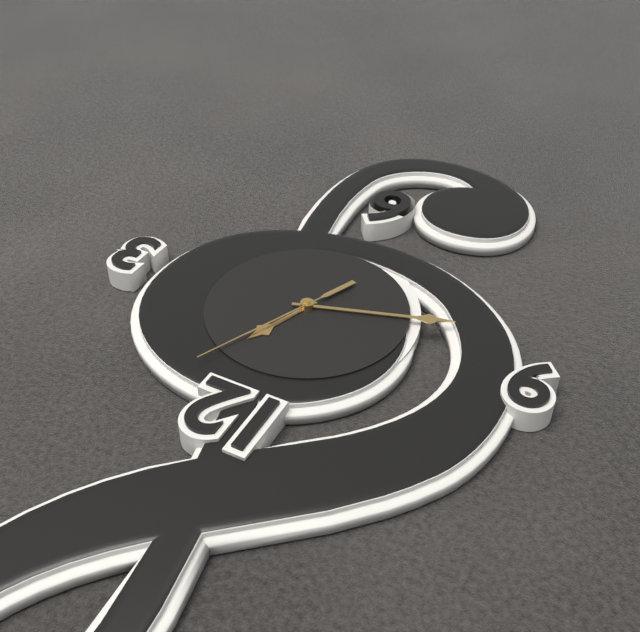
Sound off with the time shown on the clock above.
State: 12:42:04
